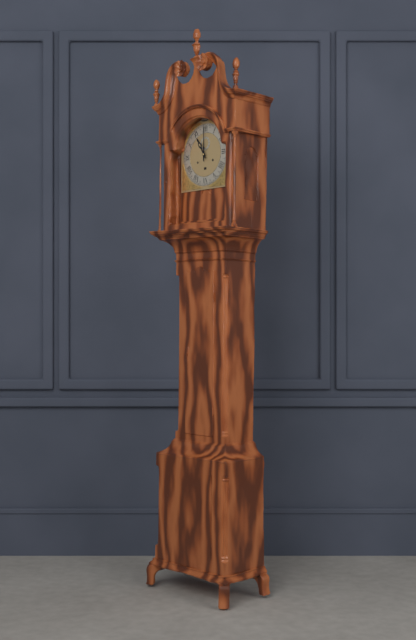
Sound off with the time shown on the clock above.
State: 11:00
